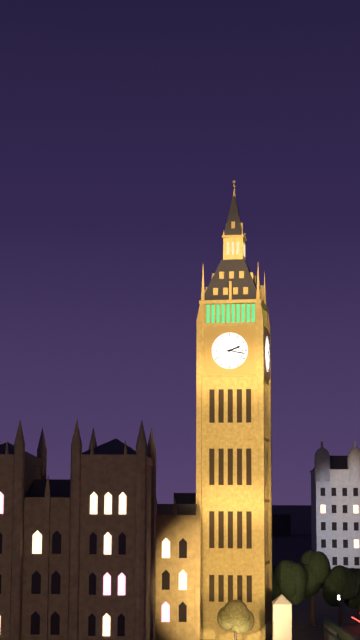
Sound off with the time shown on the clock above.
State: 2:17
